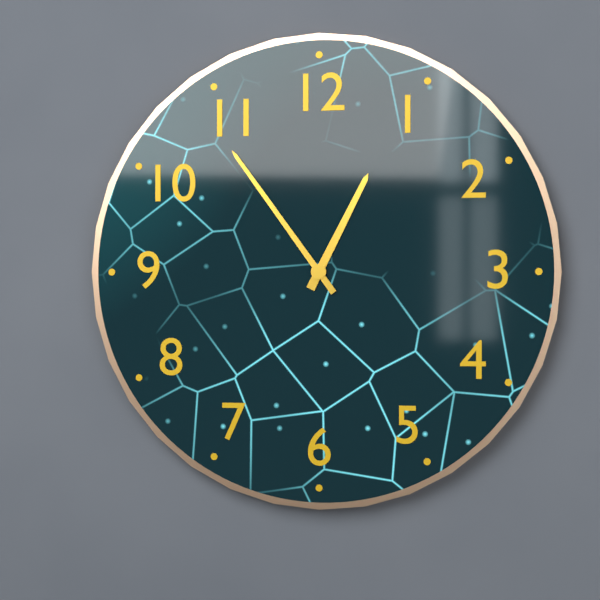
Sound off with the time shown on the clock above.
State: 12:54
